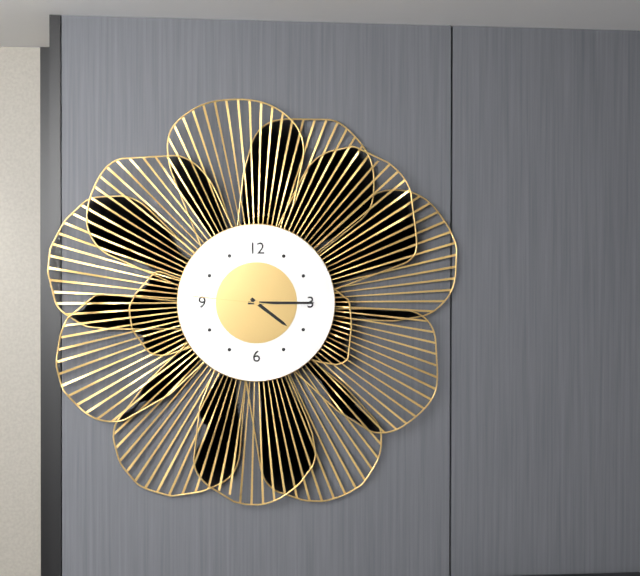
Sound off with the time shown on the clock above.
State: 4:15:46
